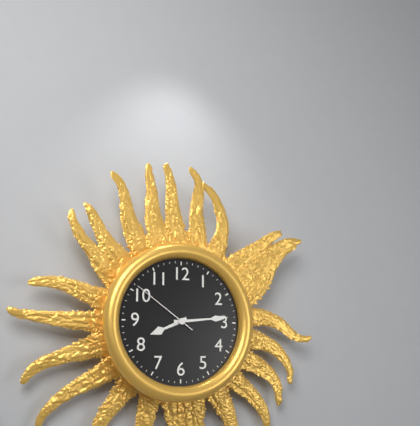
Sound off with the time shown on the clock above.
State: 8:14:51
